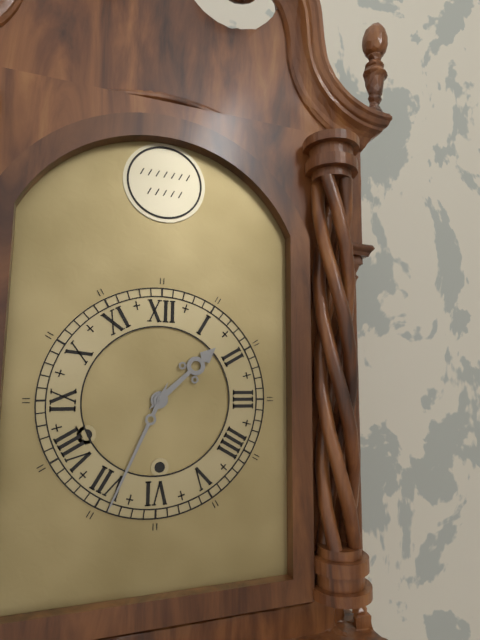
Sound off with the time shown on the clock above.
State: 1:34
